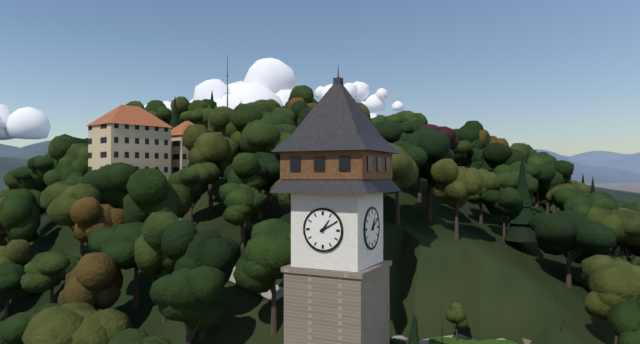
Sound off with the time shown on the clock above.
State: 1:10
